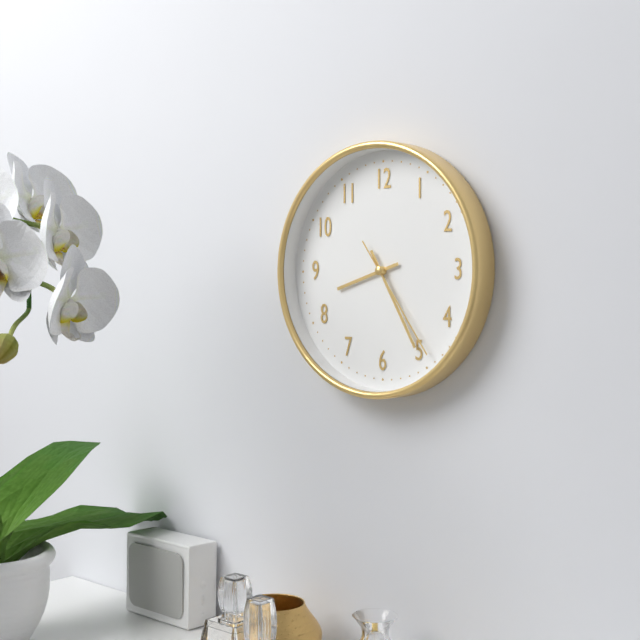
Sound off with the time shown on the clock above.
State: 8:25:24
